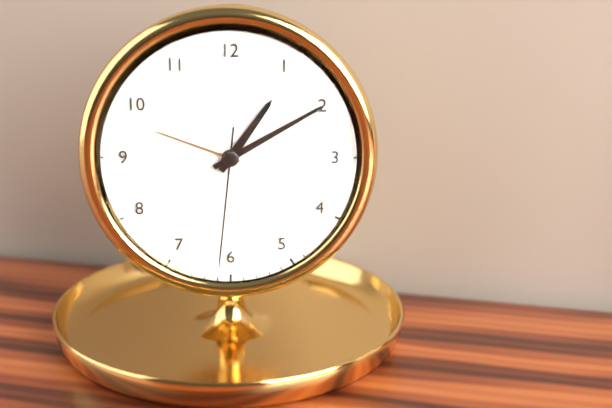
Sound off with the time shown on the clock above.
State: 1:10:31
